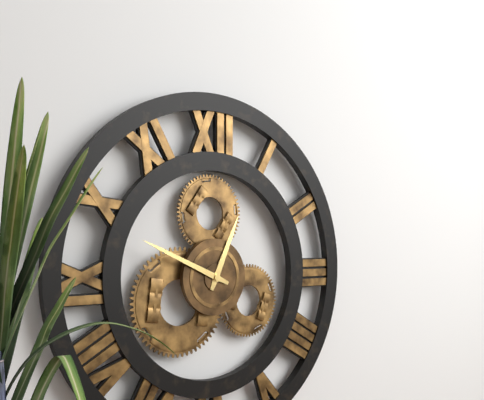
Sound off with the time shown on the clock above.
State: 12:49
